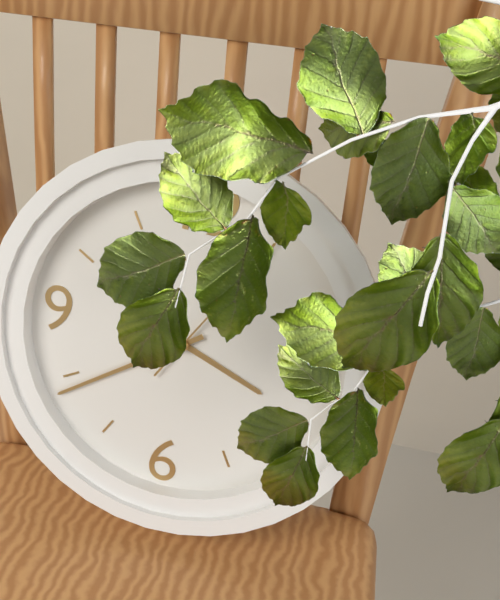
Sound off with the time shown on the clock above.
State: 3:39:05
